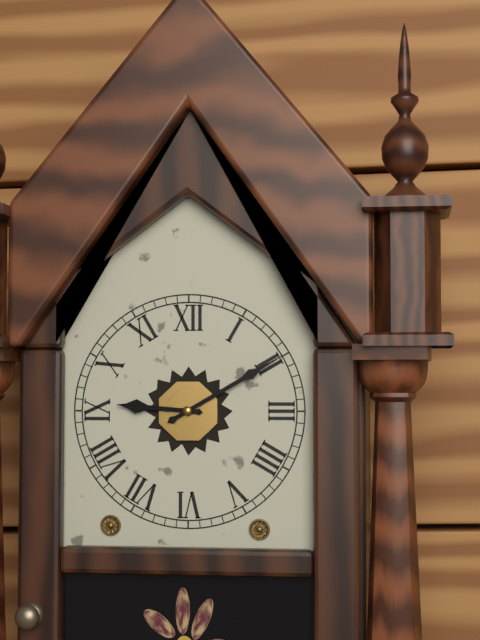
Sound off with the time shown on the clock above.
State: 9:10
